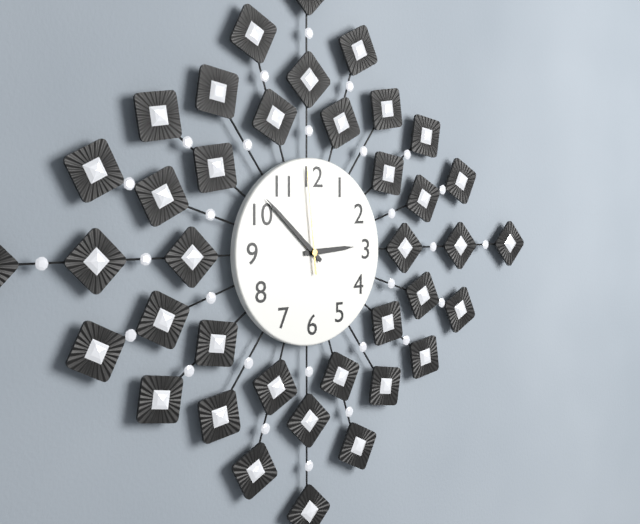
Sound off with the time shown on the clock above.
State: 2:52:59
